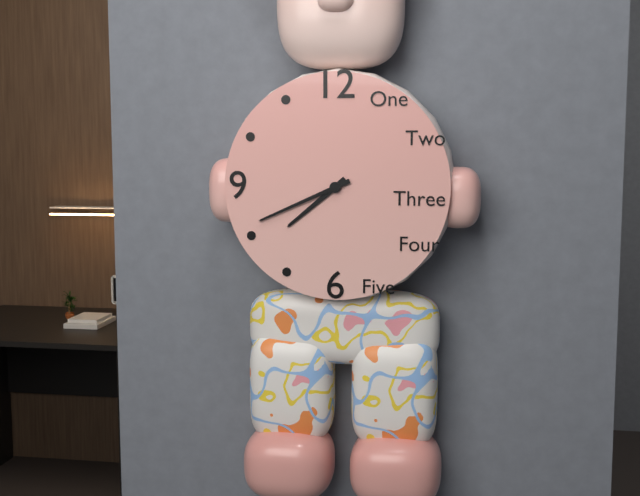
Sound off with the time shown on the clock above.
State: 7:41
